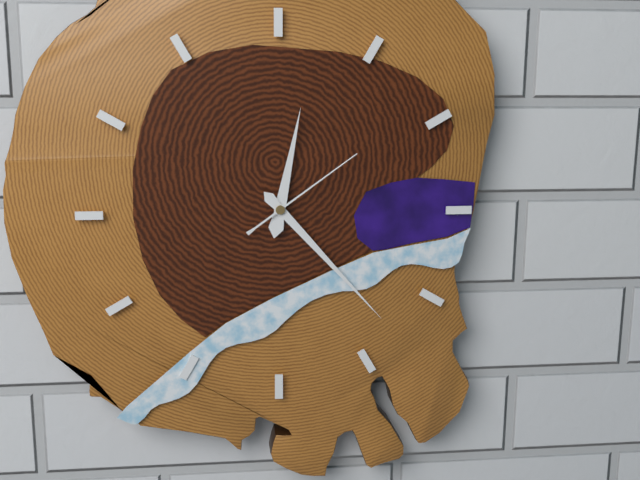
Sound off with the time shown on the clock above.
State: 12:23:09
